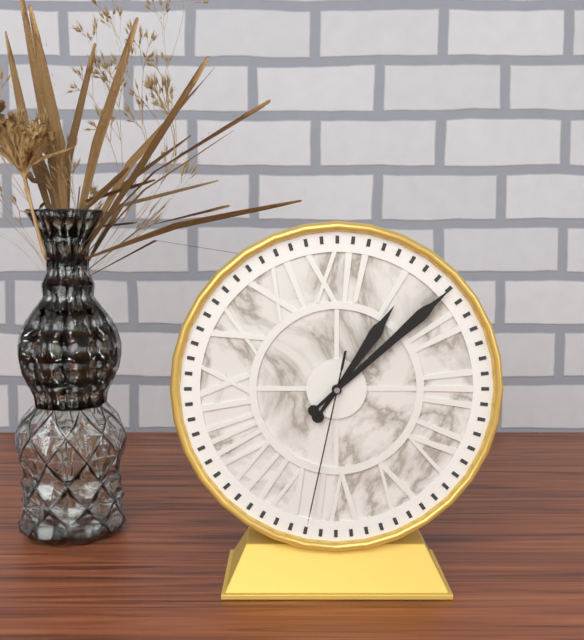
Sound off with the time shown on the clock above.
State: 1:08:32
